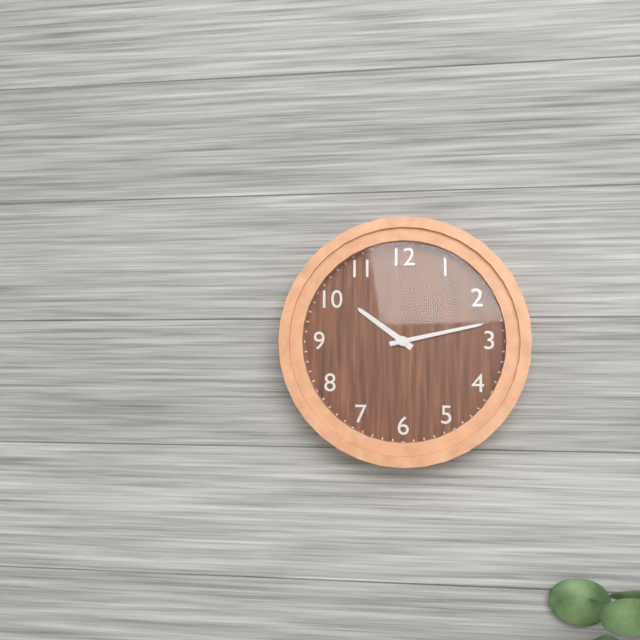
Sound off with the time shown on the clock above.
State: 10:13
